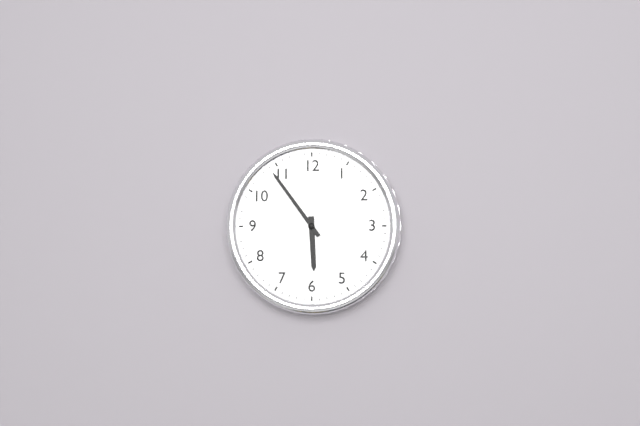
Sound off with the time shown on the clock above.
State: 5:54
